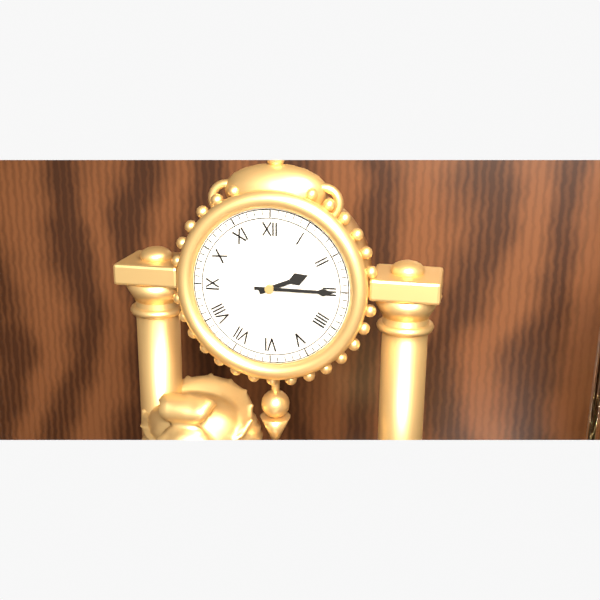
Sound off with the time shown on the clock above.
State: 2:15
